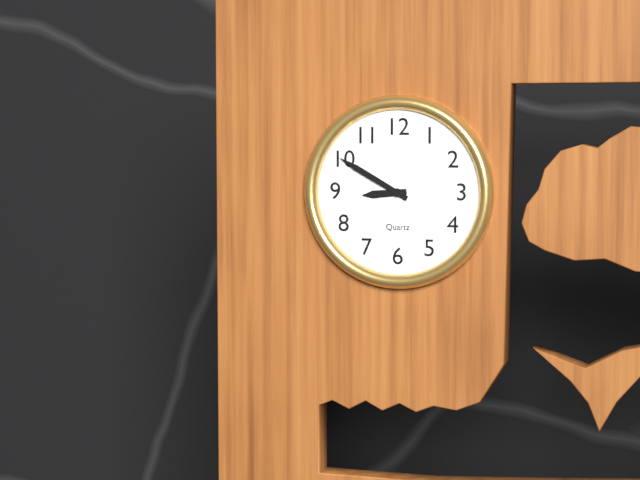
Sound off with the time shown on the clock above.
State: 8:50
